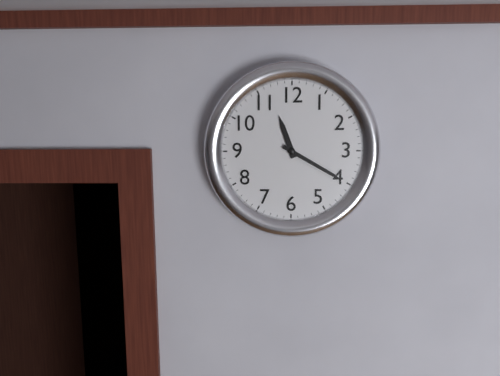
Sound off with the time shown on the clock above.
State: 11:20
